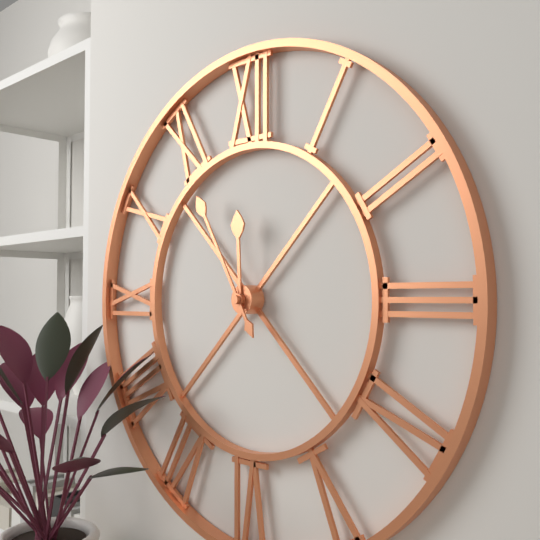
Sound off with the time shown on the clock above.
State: 11:55
